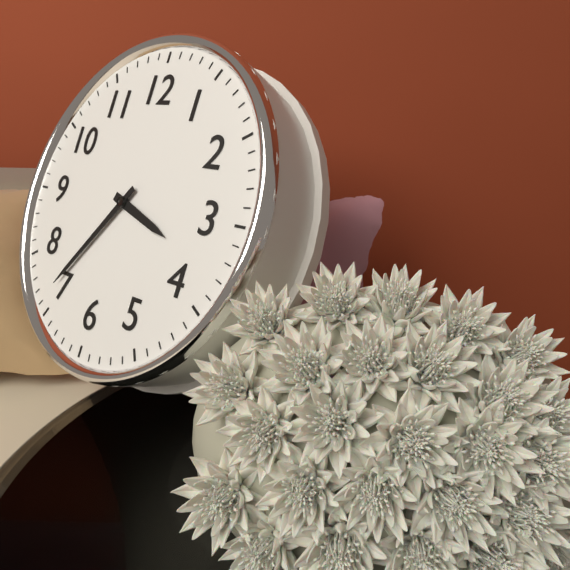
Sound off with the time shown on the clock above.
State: 3:36
